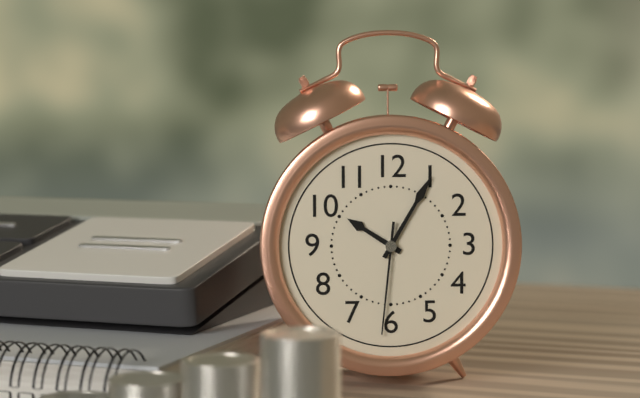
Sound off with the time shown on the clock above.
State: 10:05:31
